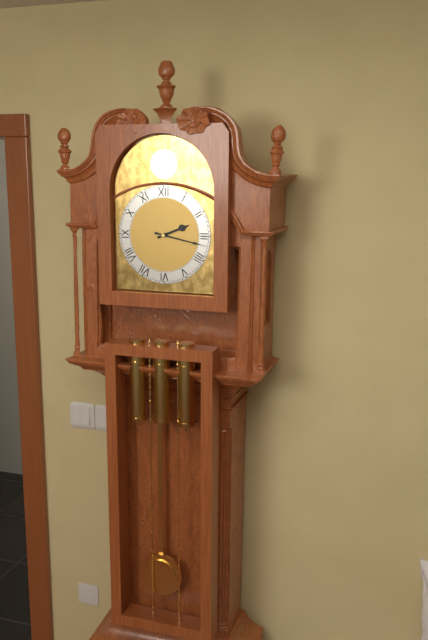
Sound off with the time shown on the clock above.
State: 2:17
